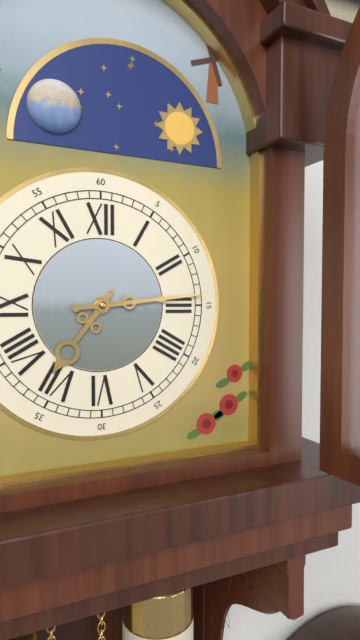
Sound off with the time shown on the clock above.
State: 7:14
